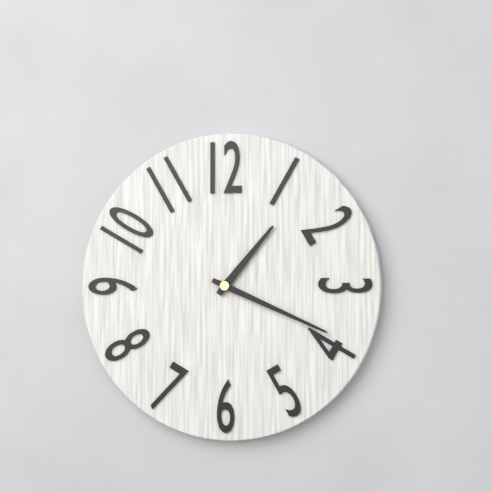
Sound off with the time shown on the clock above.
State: 1:19
